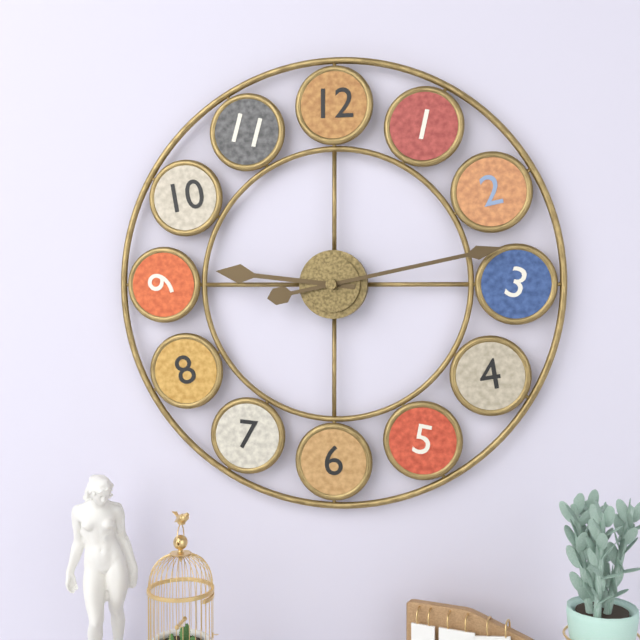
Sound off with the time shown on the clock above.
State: 9:13
